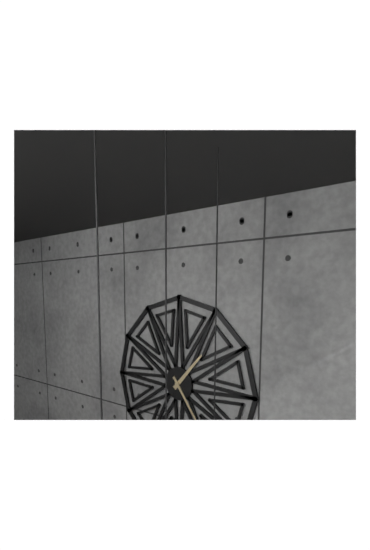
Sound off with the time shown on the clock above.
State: 1:24
